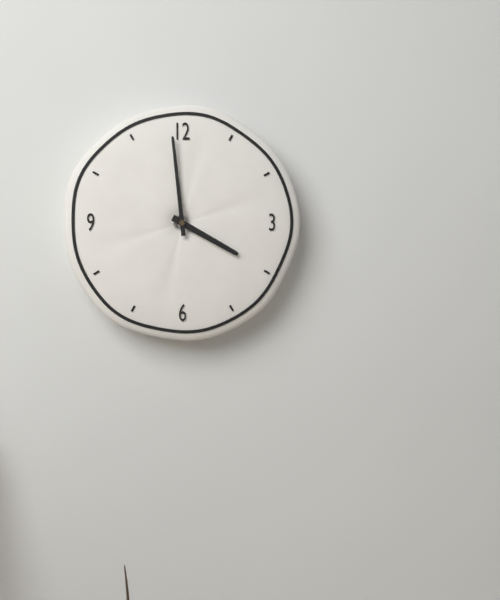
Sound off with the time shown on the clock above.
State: 3:59
